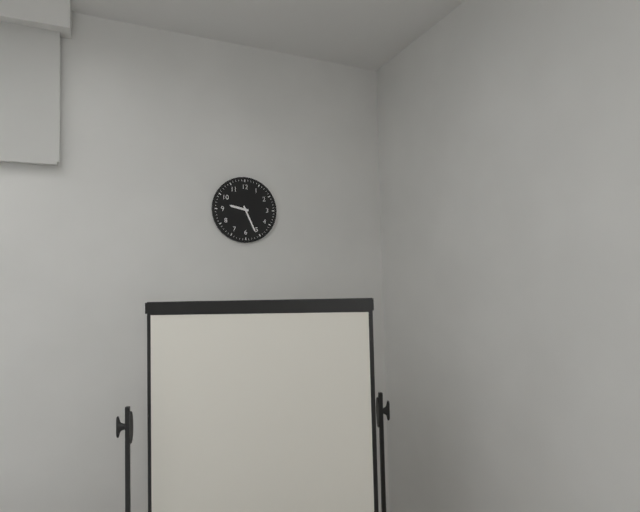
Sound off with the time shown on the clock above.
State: 9:26
